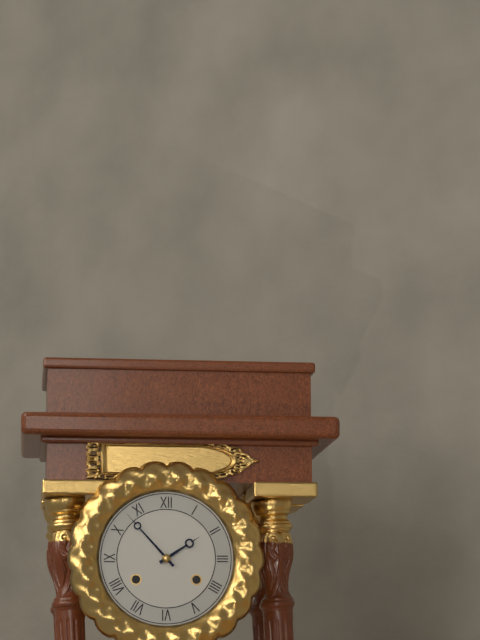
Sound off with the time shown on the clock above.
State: 1:53
